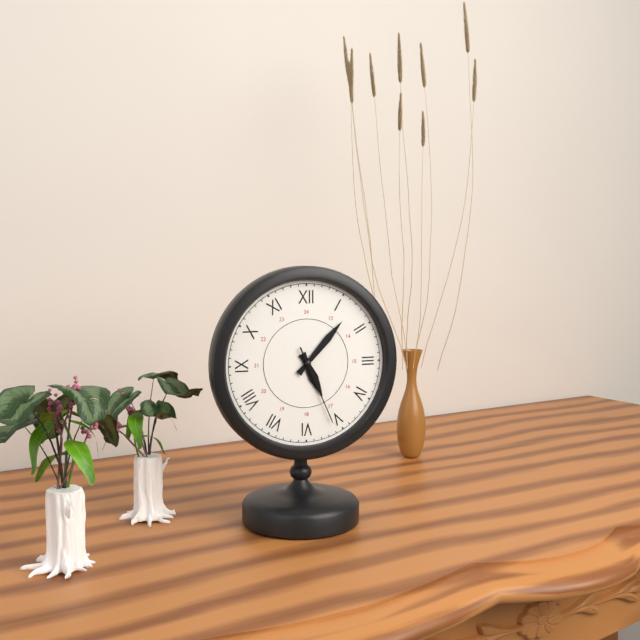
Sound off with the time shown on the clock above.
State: 5:07:26
